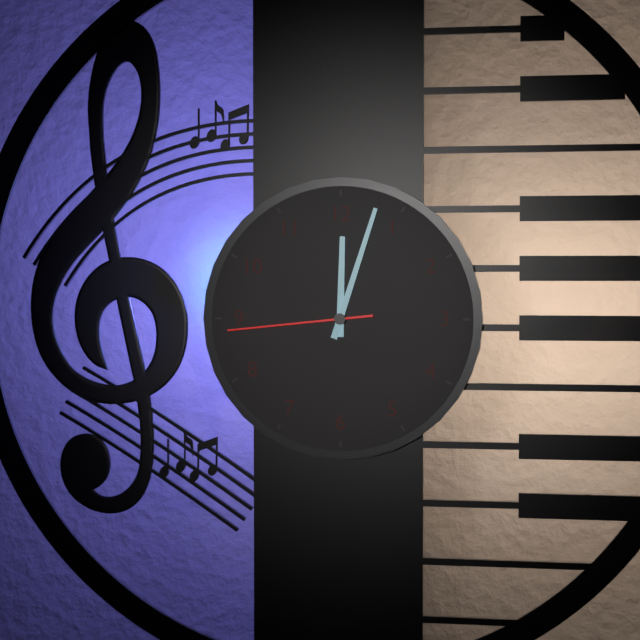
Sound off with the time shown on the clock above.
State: 12:03:44
